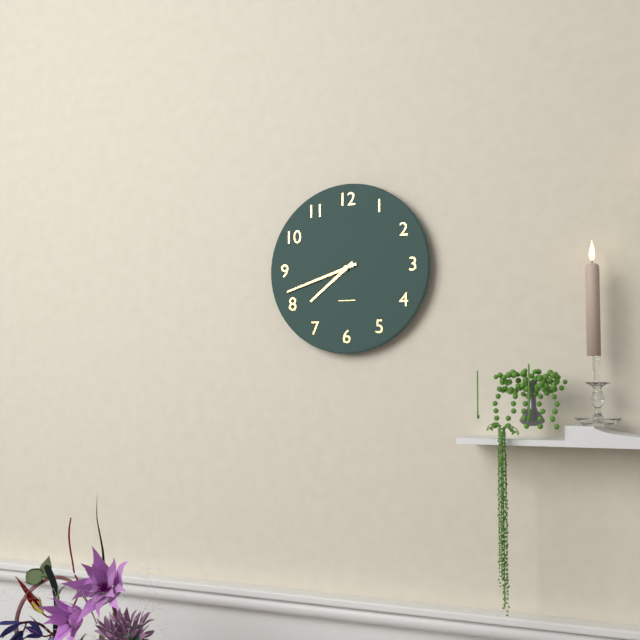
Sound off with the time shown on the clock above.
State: 7:42
